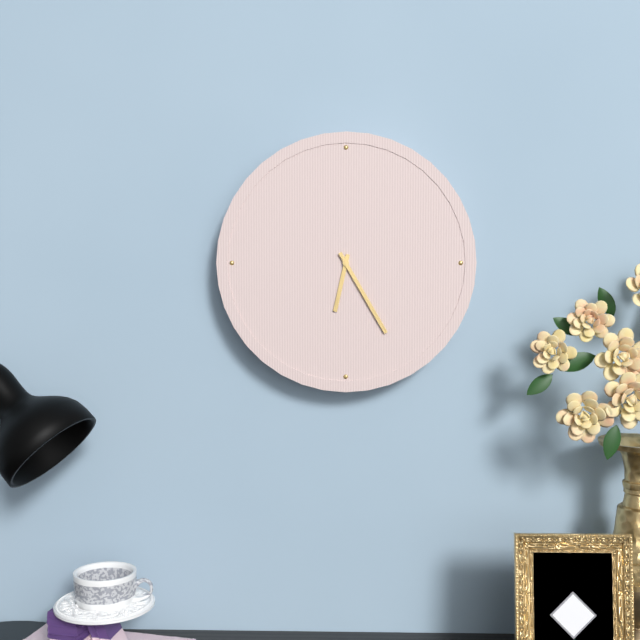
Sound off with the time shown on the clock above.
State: 6:25
